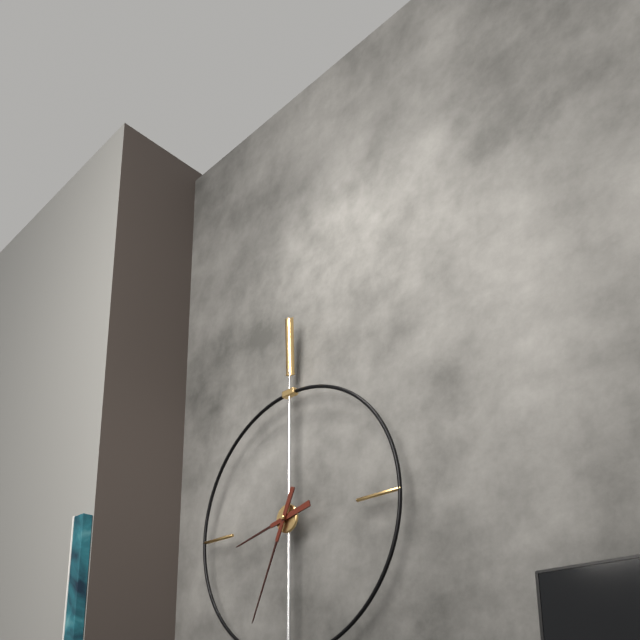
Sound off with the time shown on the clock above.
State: 8:34
